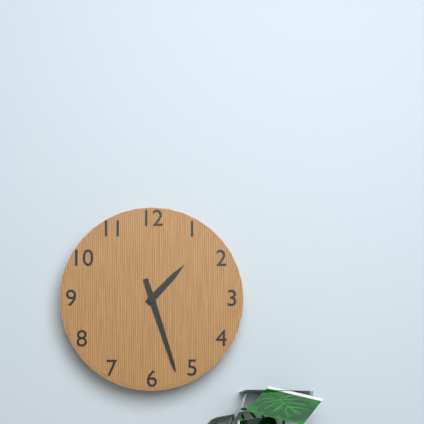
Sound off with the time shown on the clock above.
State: 1:27
